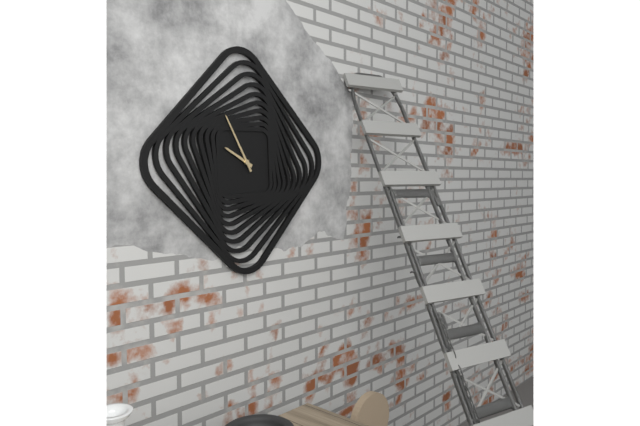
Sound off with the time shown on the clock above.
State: 9:55
